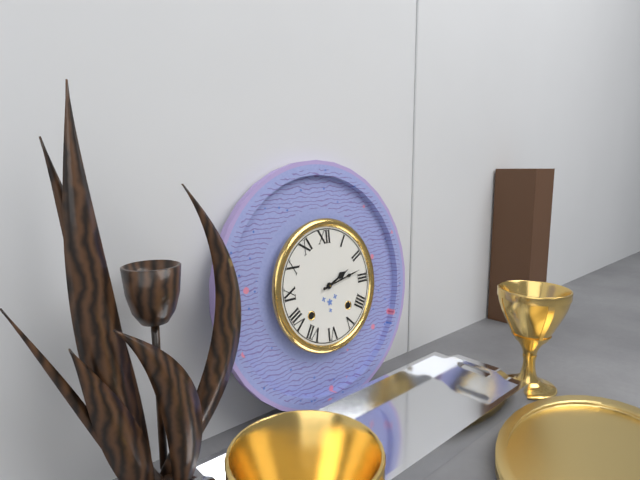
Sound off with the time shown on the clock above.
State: 2:13
